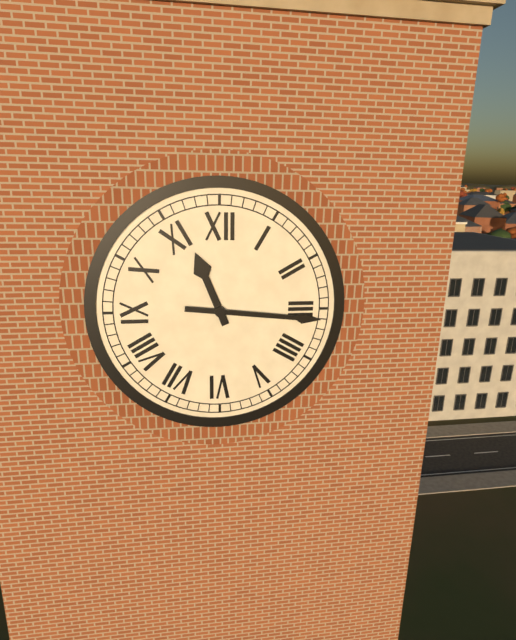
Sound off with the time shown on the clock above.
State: 11:16
